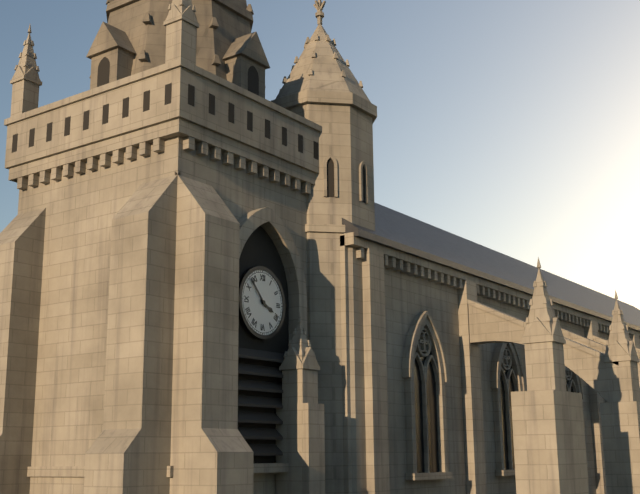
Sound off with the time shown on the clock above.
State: 3:53
